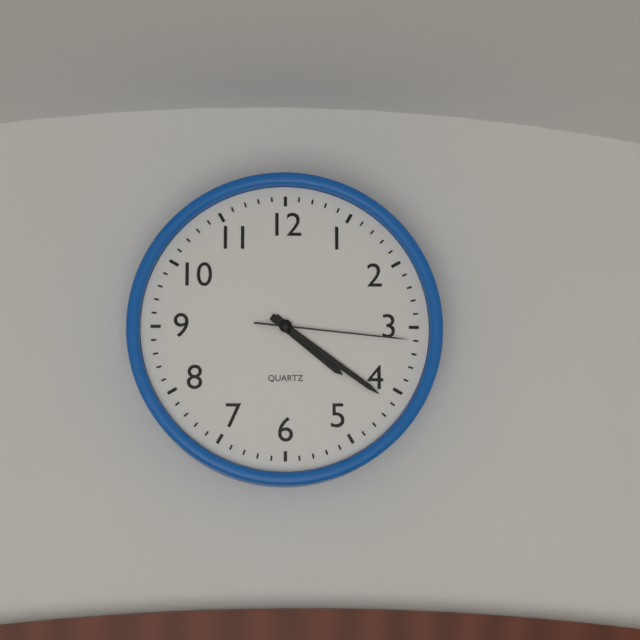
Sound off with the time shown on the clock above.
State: 4:21:16
